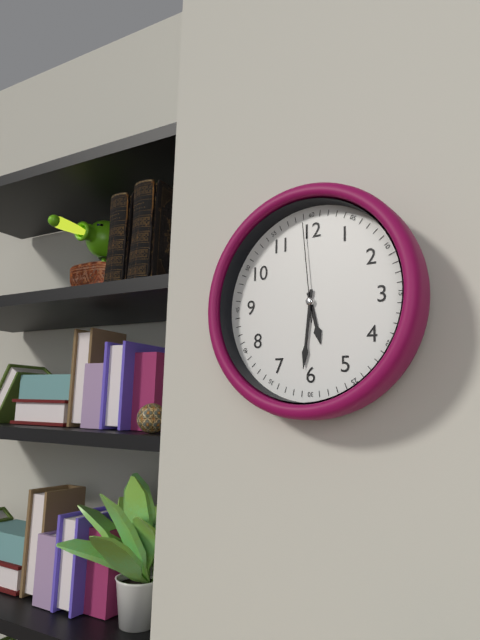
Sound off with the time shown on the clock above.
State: 5:31:59
